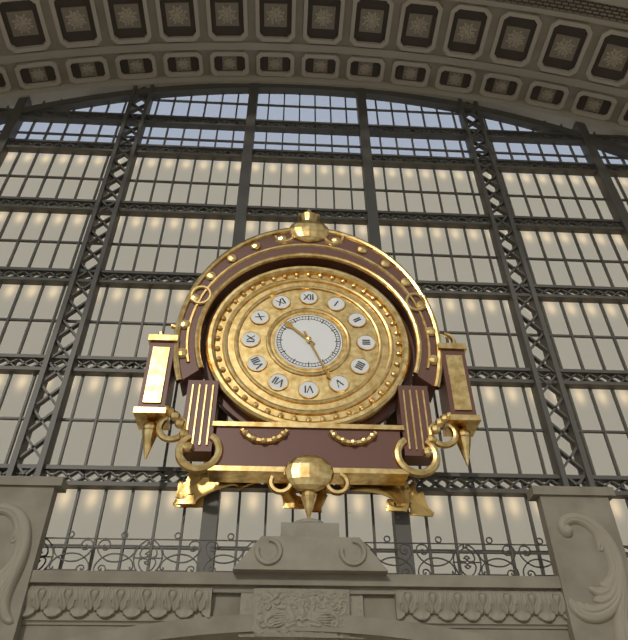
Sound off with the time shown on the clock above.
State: 10:26
